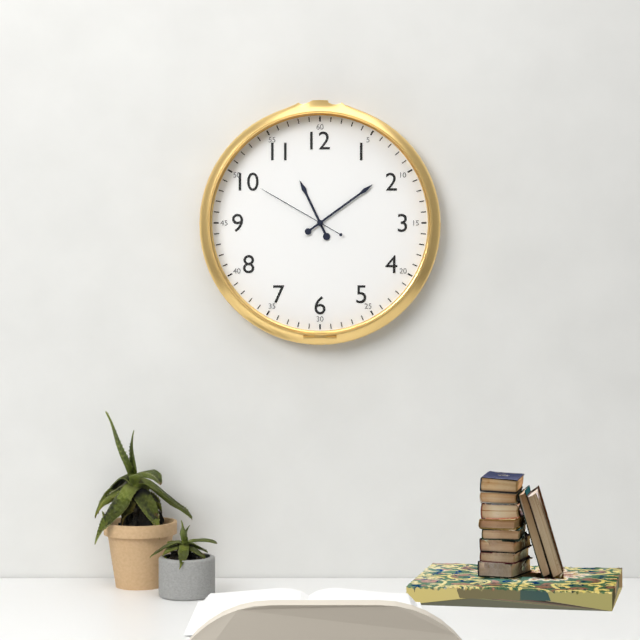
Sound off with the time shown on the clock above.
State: 11:09:50
